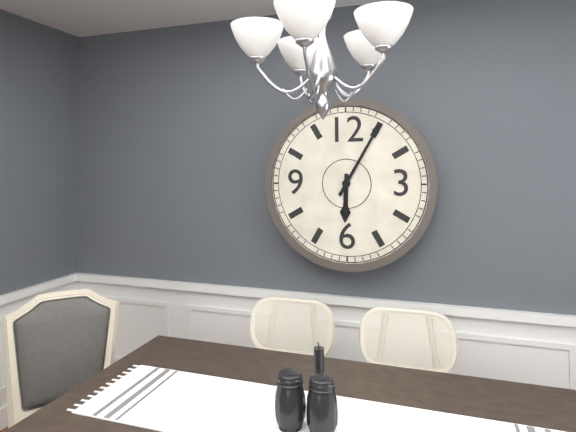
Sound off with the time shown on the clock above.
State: 6:05
